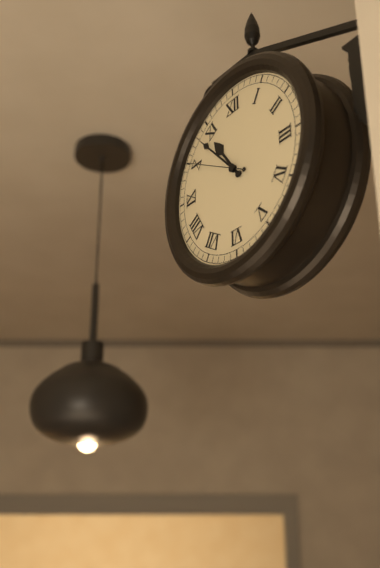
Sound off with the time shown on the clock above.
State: 10:53:50
